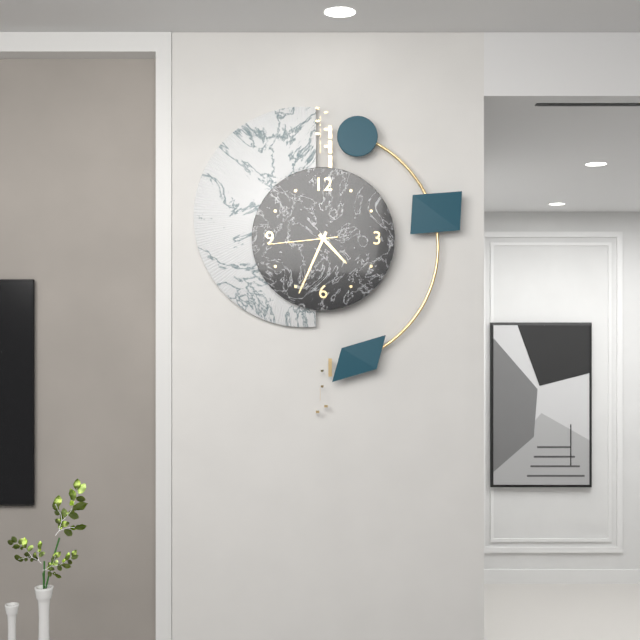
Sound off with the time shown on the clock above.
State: 4:34:44
